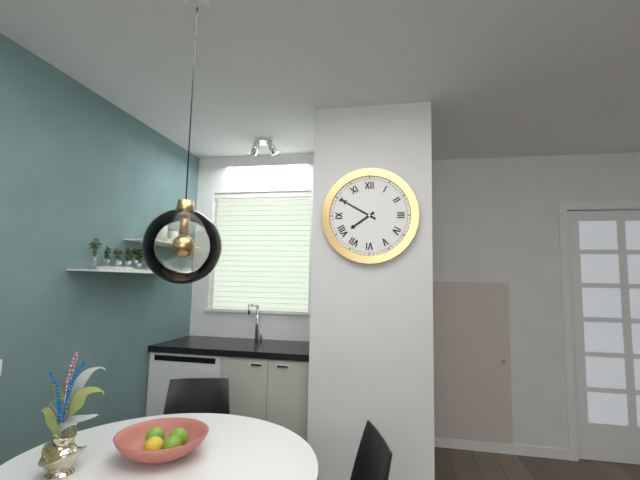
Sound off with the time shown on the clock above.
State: 7:50
